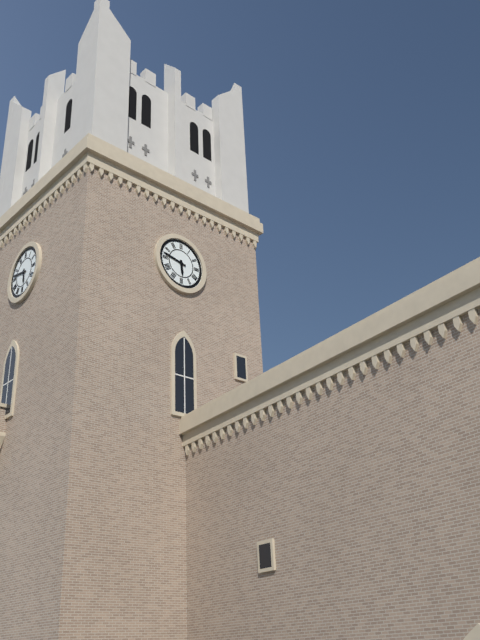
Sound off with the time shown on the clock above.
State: 5:47
